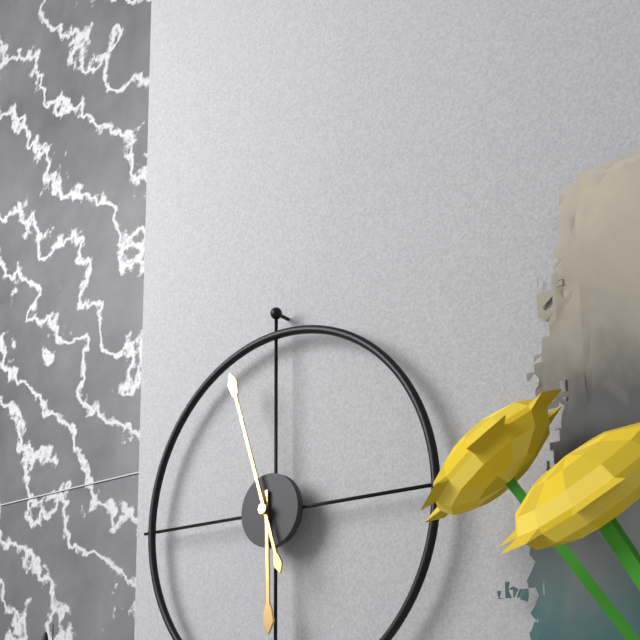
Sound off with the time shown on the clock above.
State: 5:57
